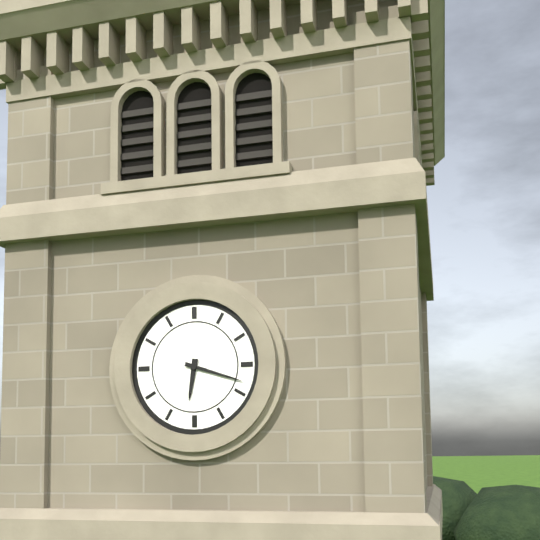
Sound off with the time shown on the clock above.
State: 6:18
